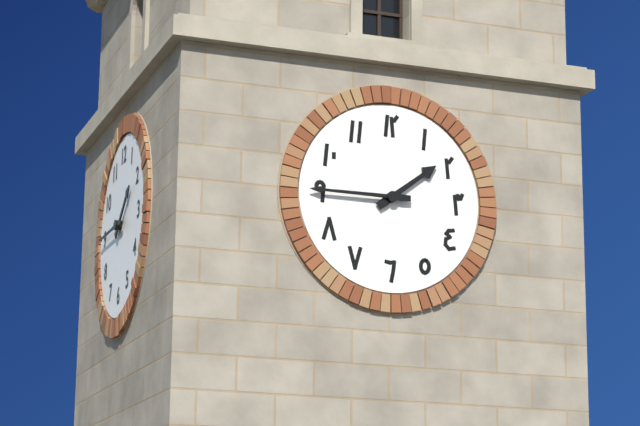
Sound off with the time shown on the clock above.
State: 1:45
